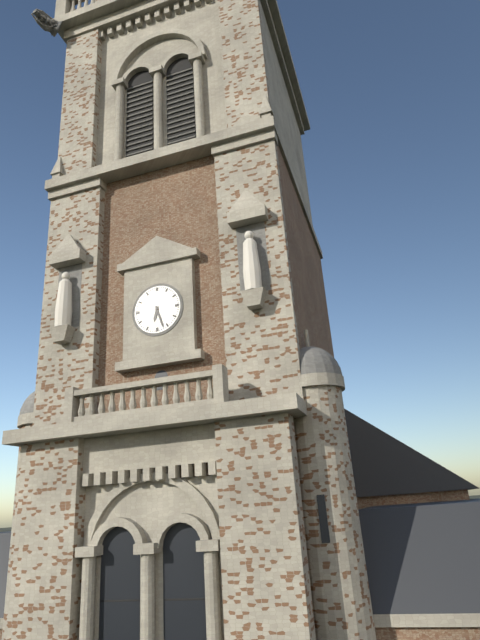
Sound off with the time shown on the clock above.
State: 6:27
